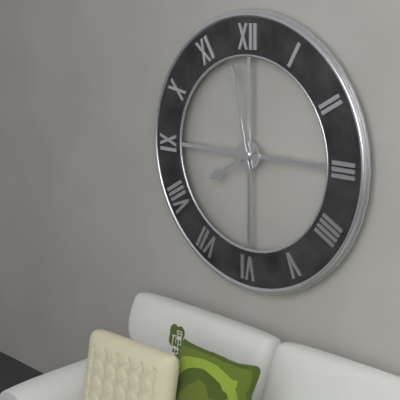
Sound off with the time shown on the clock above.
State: 7:58
